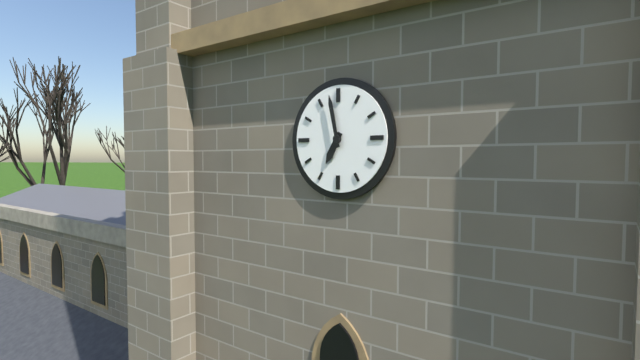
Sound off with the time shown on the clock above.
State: 6:58
